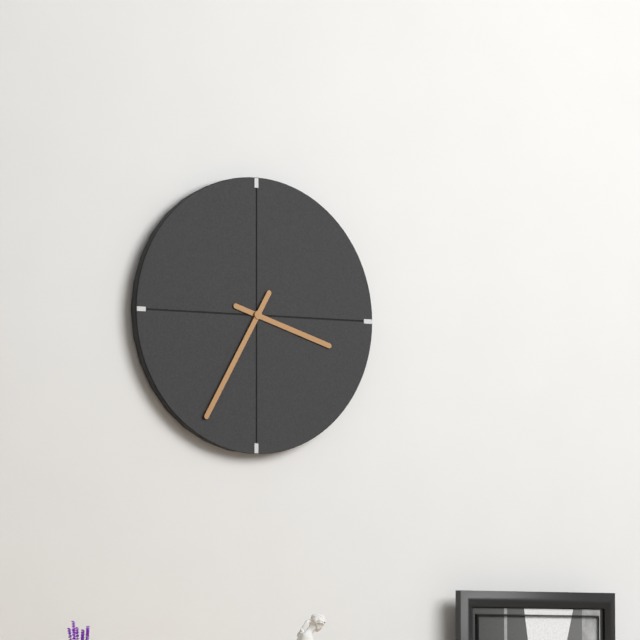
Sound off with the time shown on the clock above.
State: 3:35
